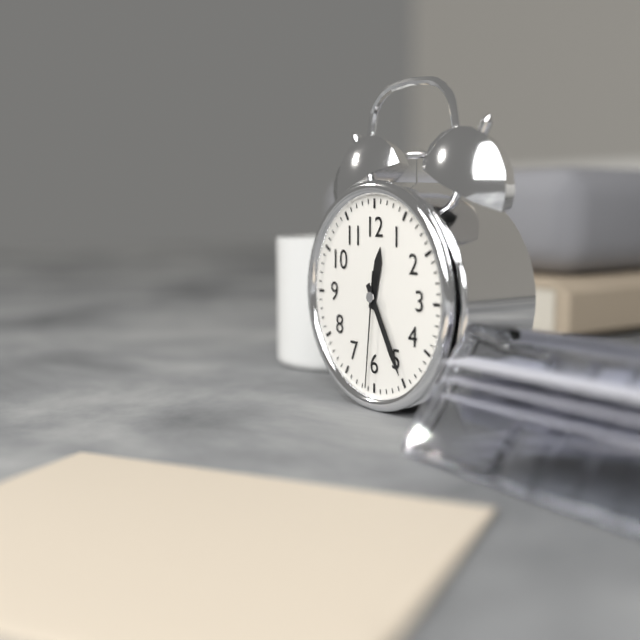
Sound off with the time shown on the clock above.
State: 12:25:31
